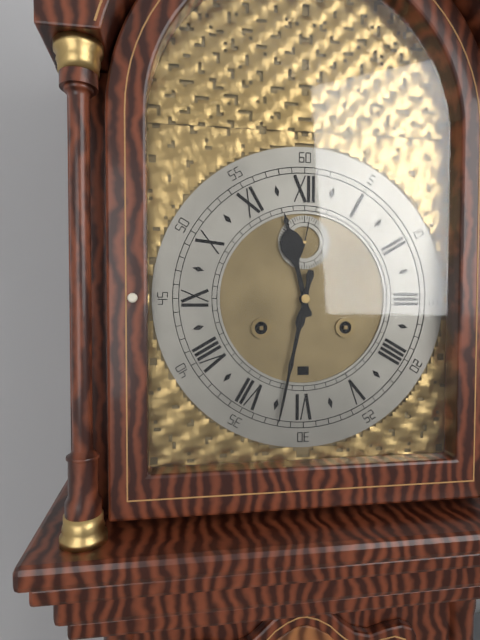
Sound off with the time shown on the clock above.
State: 11:32
